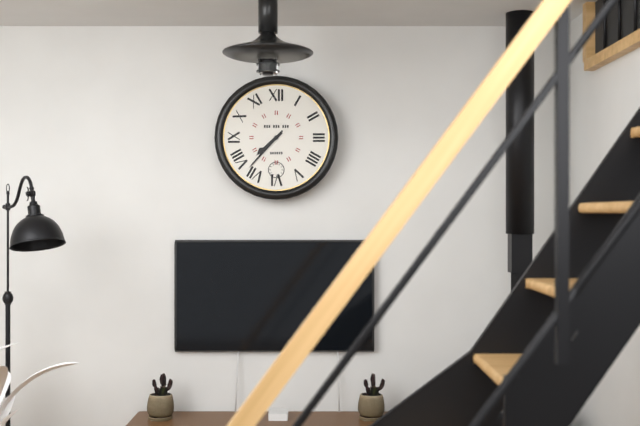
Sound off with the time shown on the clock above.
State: 7:37
